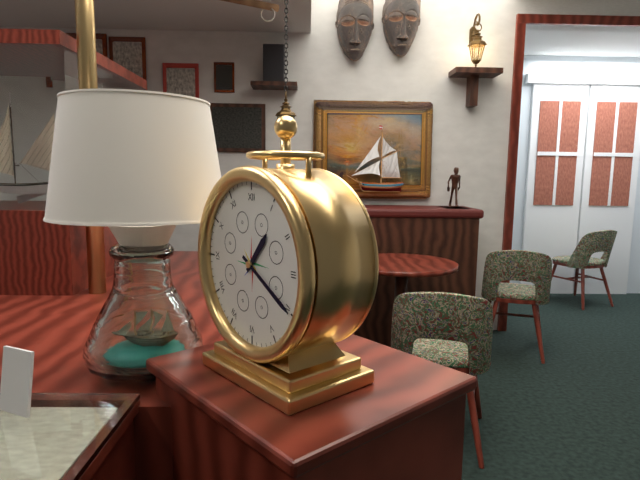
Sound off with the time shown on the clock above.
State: 1:20
